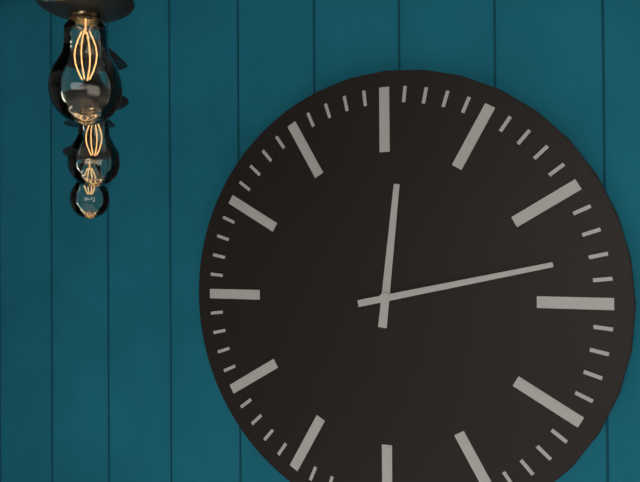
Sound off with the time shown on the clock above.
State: 12:13
